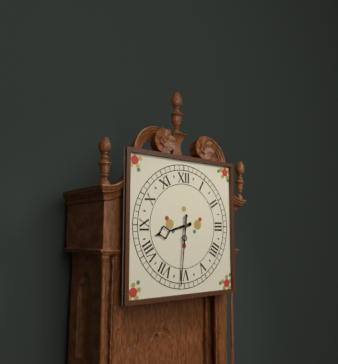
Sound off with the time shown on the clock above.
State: 8:31
